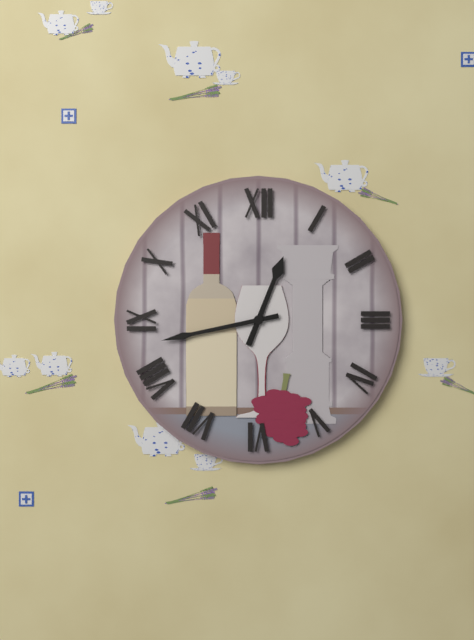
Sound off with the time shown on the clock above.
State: 12:43
